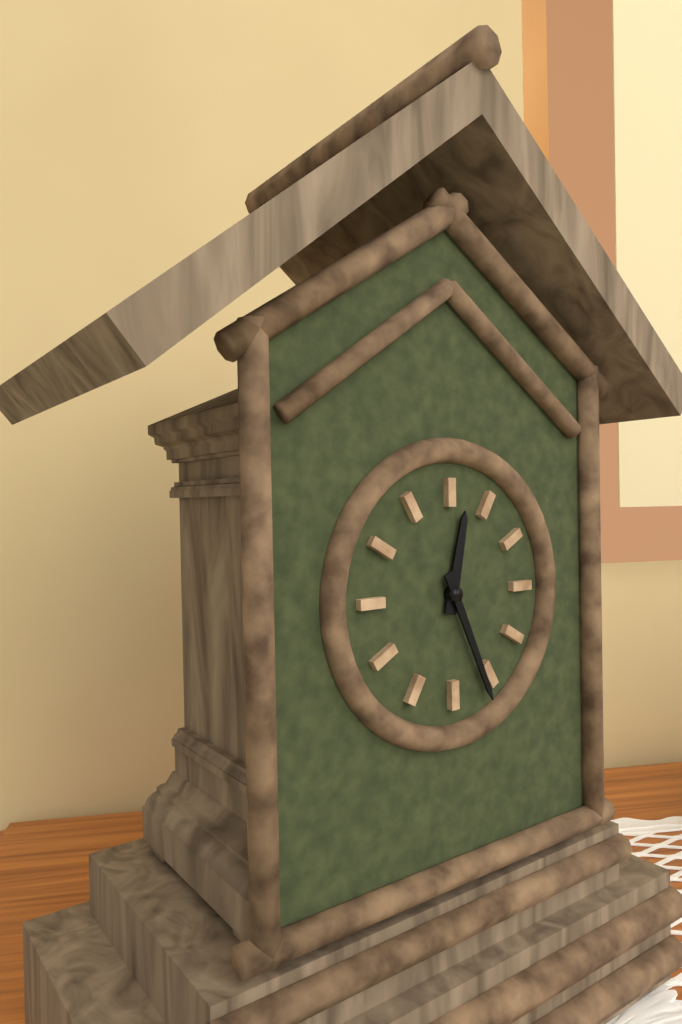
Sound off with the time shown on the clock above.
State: 12:26
